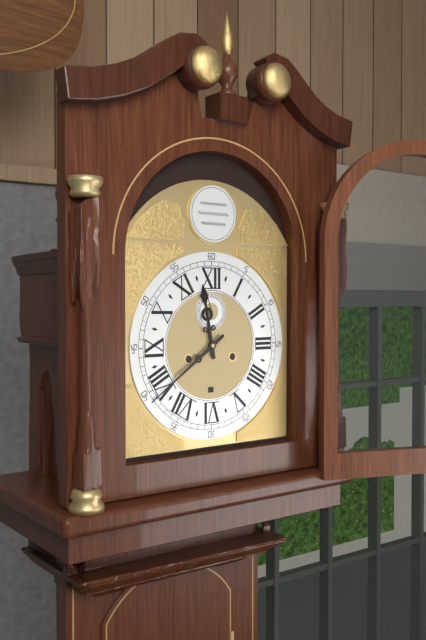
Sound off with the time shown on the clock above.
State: 11:39
